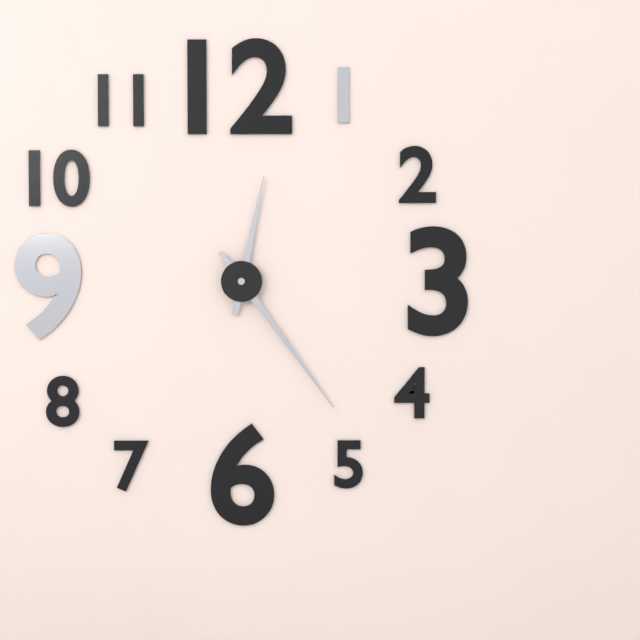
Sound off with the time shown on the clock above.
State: 12:24
